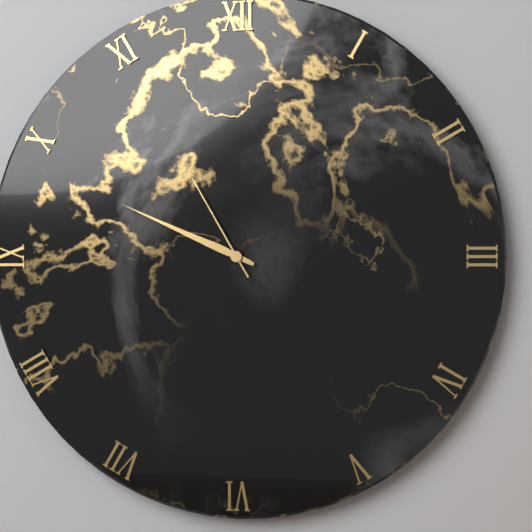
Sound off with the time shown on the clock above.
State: 9:49:55
